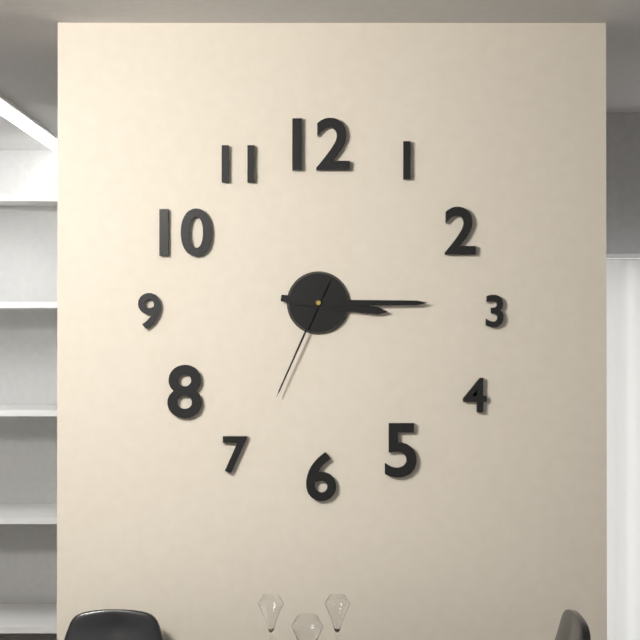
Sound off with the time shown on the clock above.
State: 3:15:34
